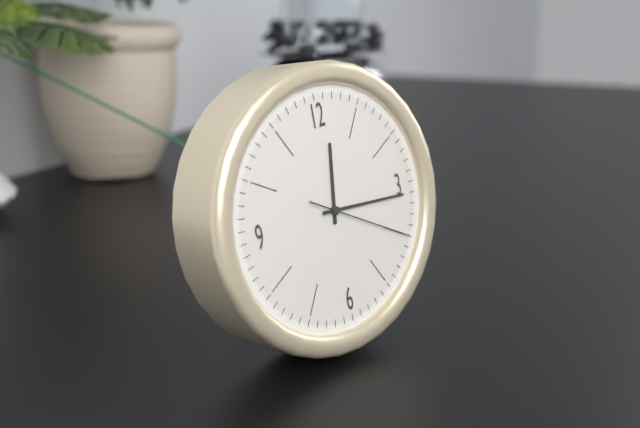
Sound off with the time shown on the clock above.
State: 12:16:20
